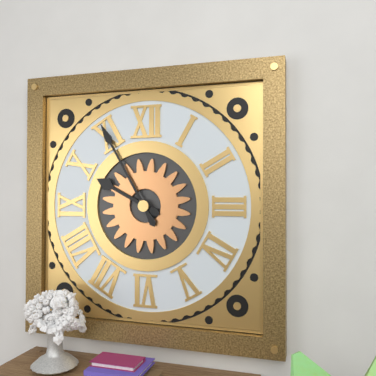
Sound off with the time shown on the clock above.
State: 9:55
